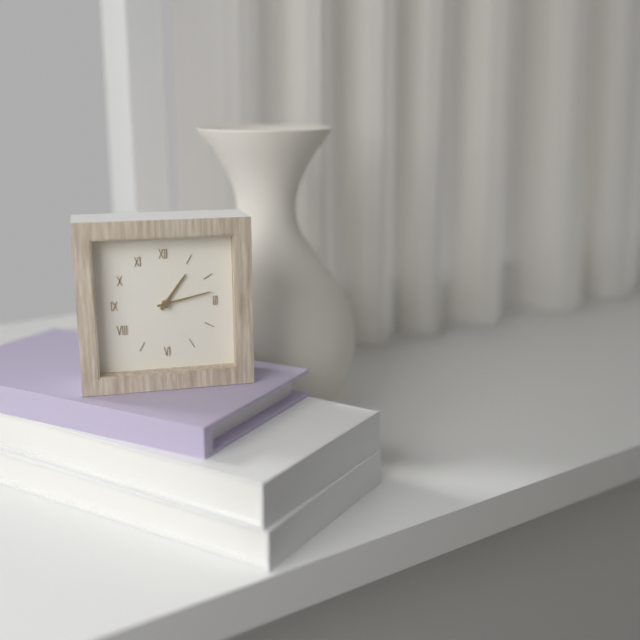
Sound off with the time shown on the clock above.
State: 1:13
